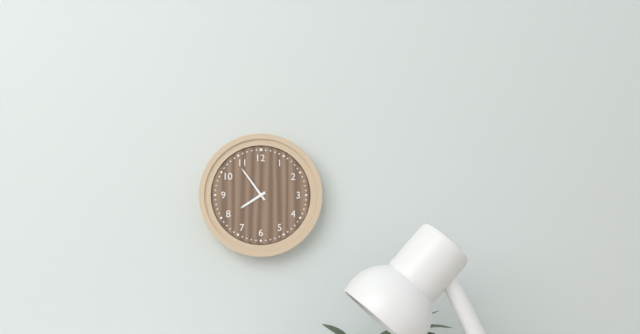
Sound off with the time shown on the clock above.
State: 7:54
